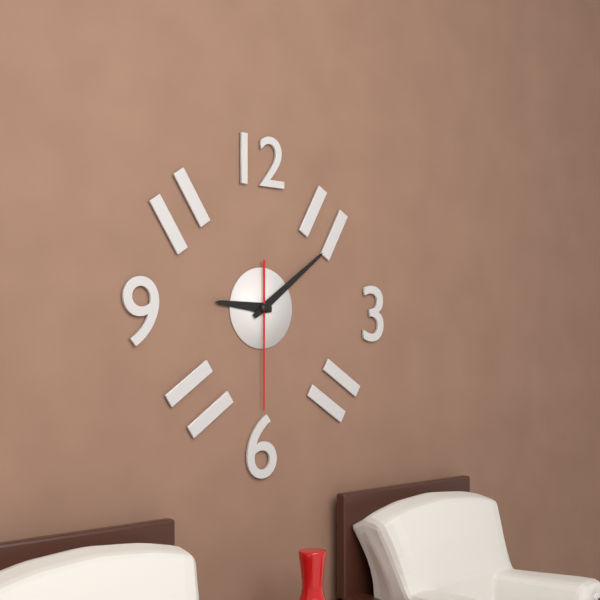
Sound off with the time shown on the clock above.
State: 9:09:30
